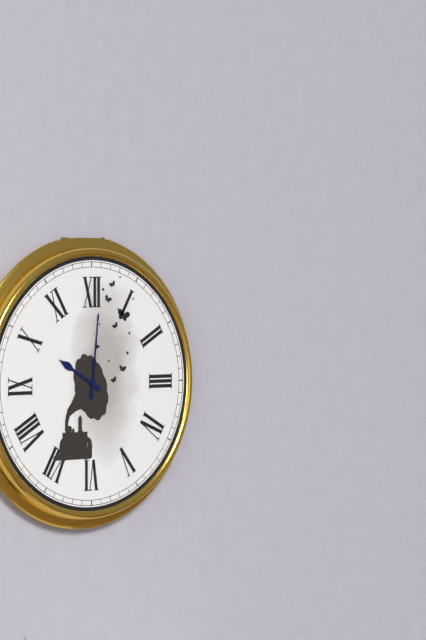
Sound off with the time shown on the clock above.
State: 10:01
